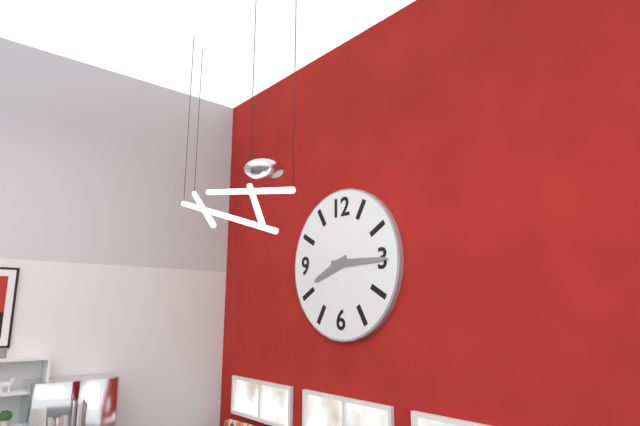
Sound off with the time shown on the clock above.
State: 8:15
